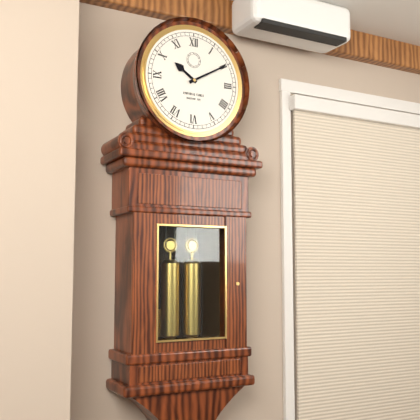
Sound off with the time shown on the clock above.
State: 10:10
